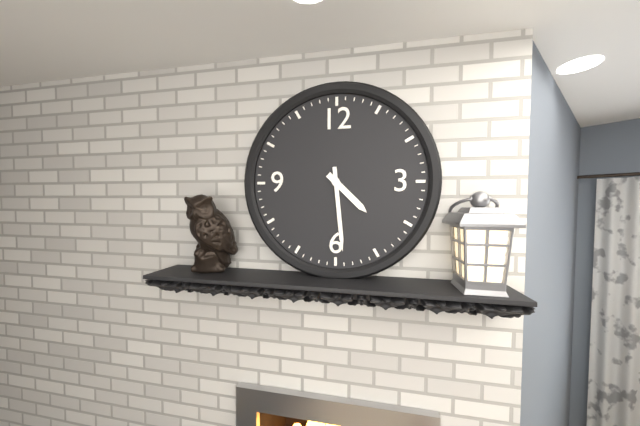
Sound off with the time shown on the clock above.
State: 4:29
